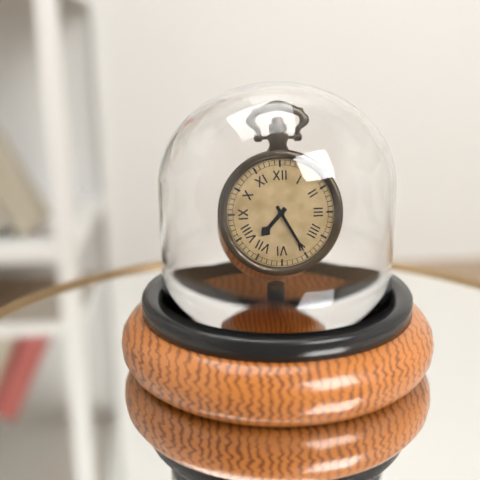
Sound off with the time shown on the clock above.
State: 7:25
